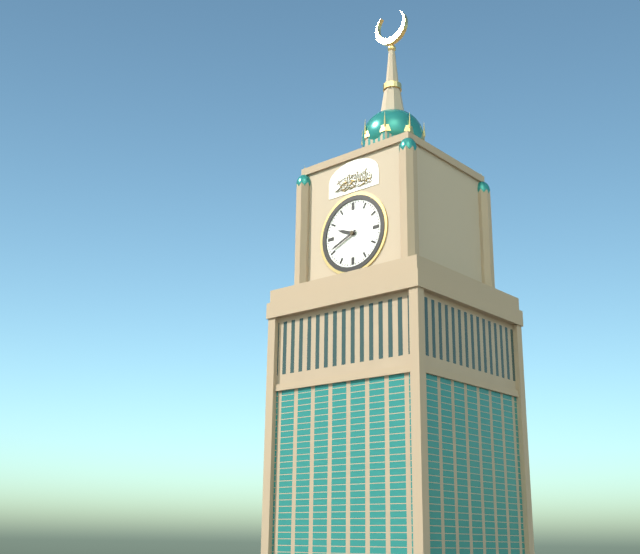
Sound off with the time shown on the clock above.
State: 9:41
